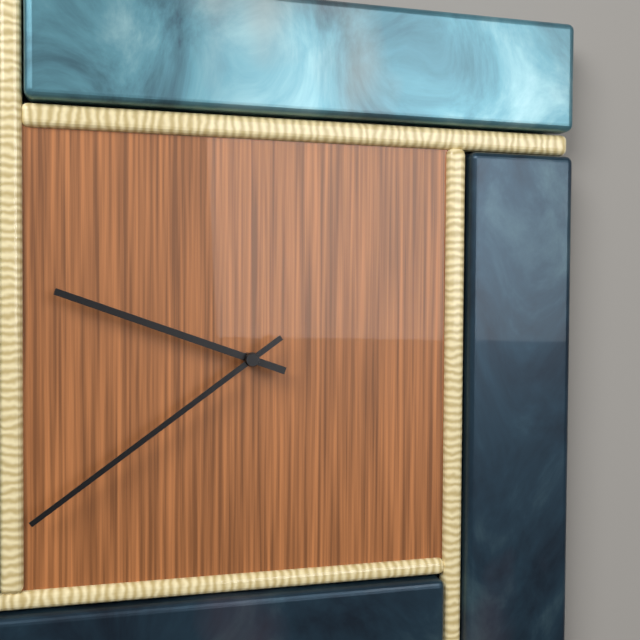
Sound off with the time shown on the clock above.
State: 9:39
